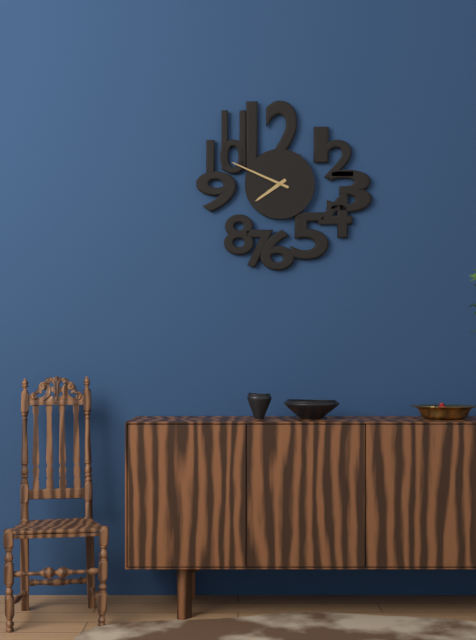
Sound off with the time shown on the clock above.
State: 7:49
